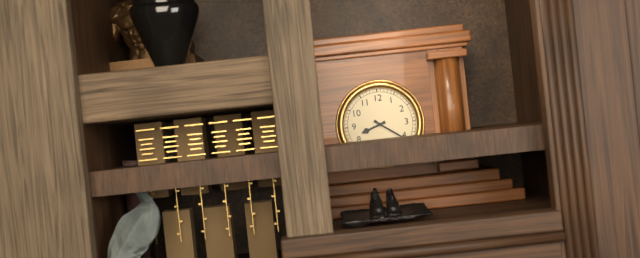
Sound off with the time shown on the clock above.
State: 8:21
